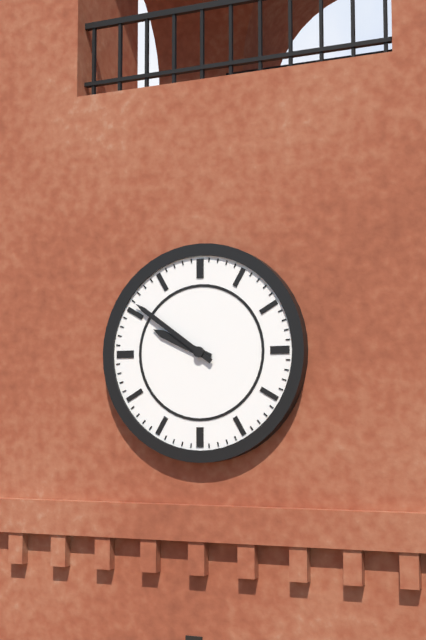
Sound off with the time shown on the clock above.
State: 9:51
